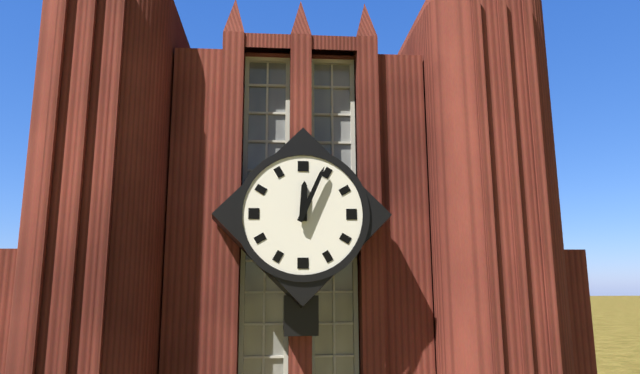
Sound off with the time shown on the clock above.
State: 12:04
